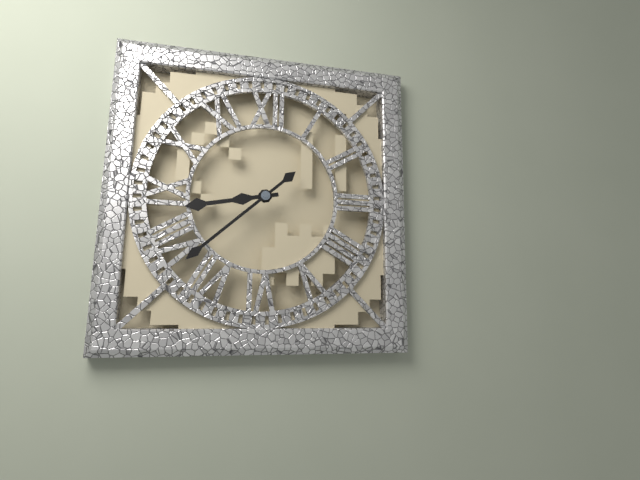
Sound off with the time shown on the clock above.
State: 8:38
